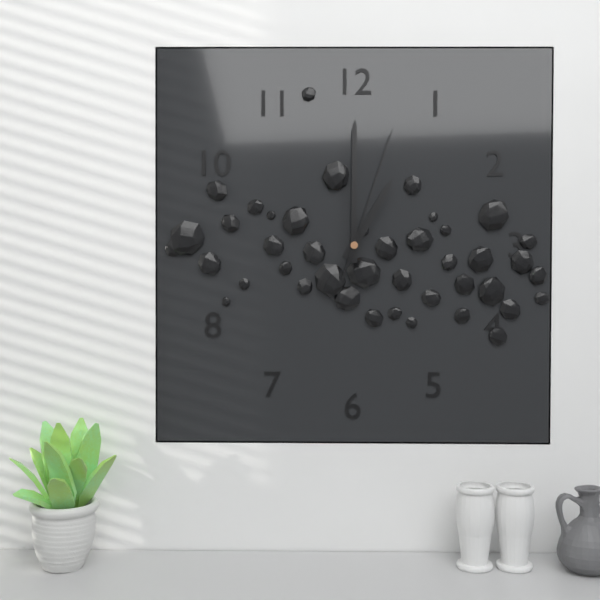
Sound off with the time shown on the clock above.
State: 1:00:03
